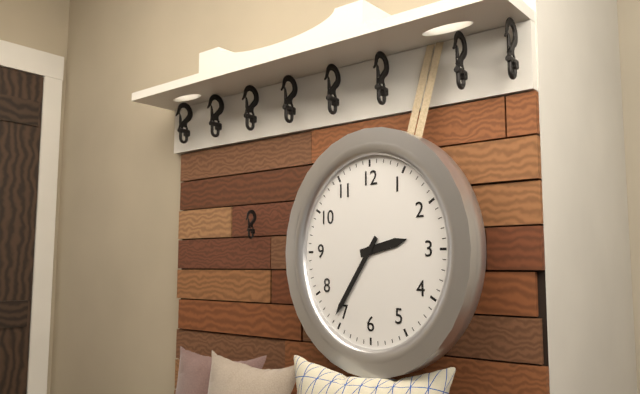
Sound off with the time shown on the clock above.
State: 2:36
